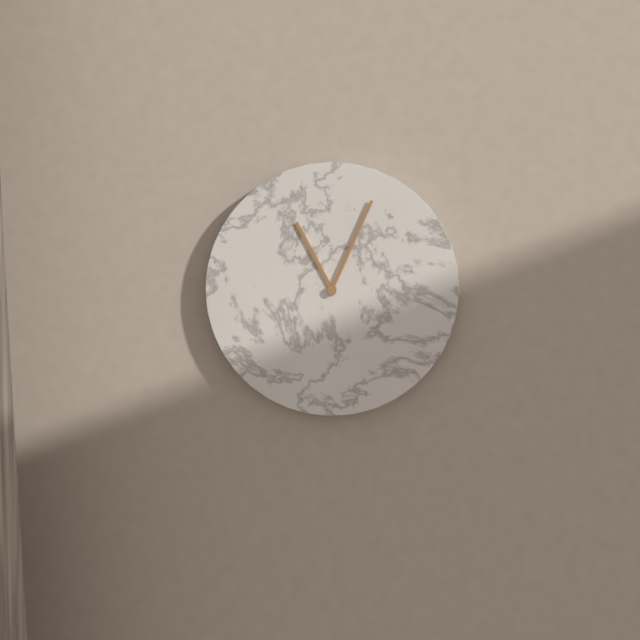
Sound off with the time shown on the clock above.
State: 11:04
